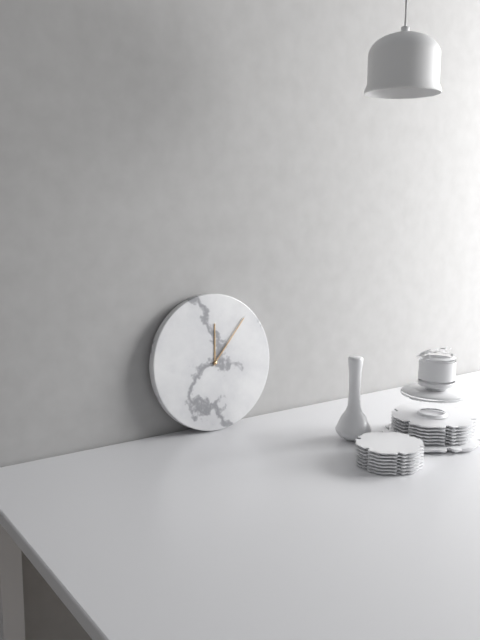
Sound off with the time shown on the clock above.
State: 12:07
